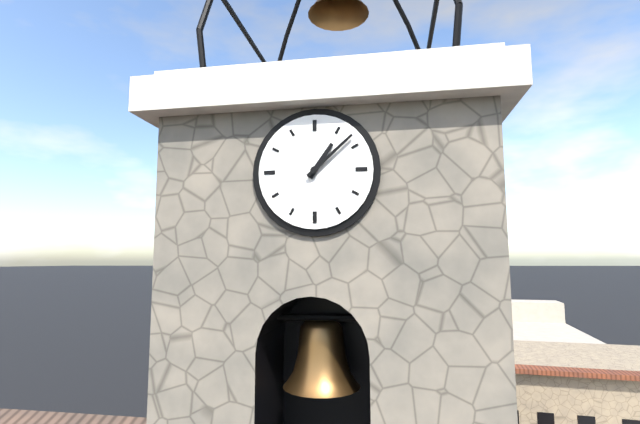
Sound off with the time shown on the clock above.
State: 1:08
